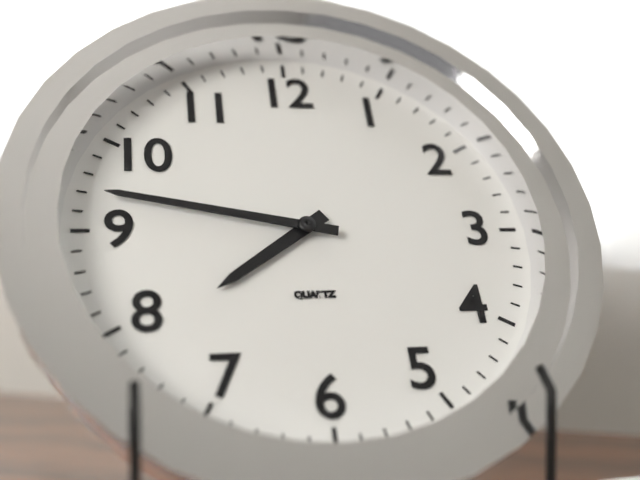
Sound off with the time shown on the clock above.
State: 7:47
